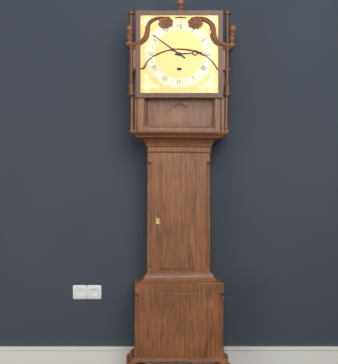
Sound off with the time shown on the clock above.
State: 2:51
